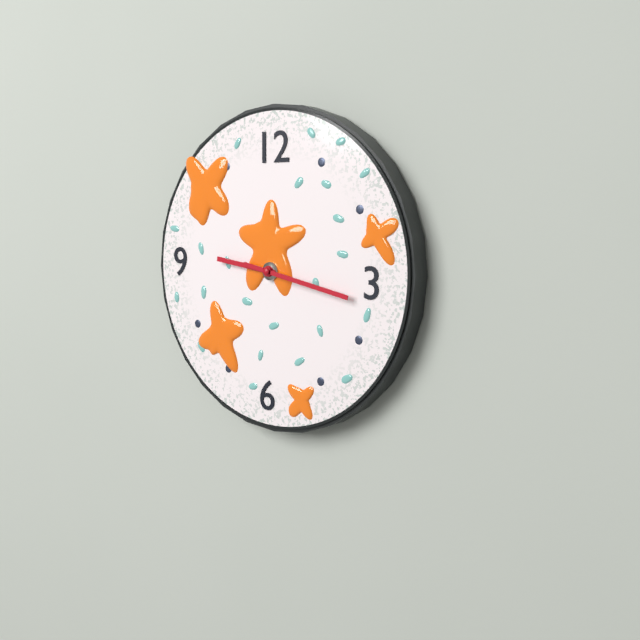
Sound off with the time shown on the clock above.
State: 9:17
